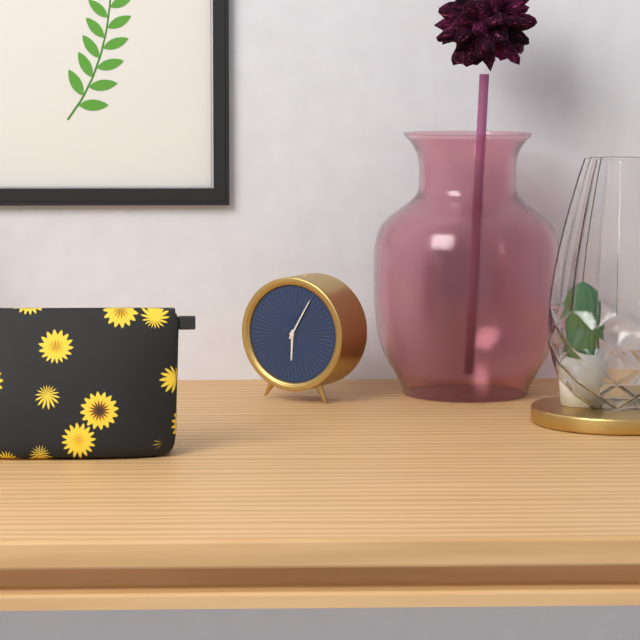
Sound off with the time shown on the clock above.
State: 6:05
